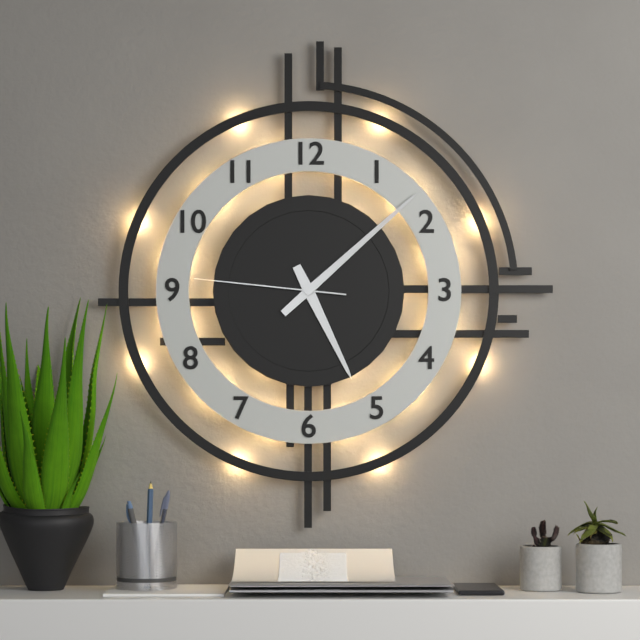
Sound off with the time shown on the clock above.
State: 5:08:46
